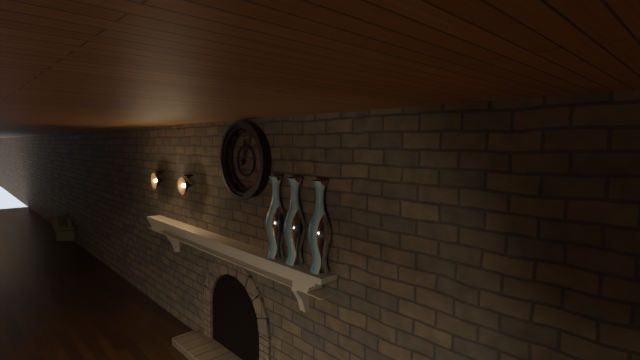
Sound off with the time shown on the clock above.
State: 12:05
